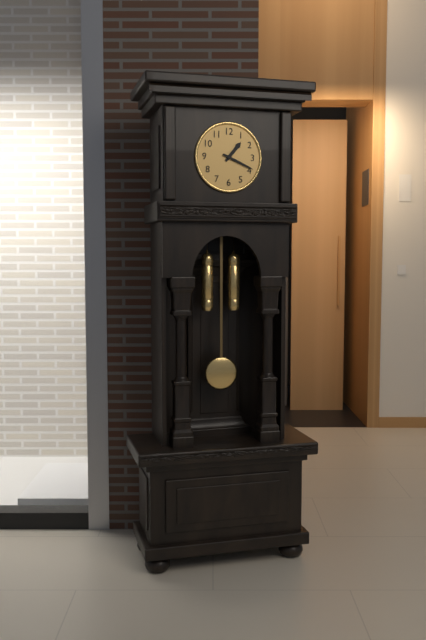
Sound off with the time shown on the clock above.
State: 1:19
